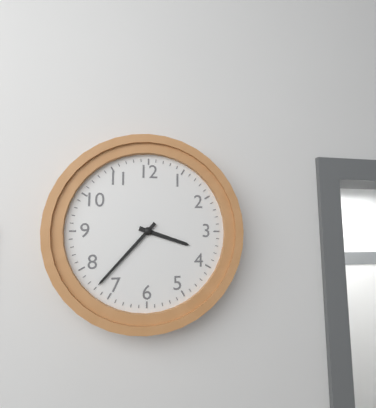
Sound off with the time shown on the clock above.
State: 3:37
